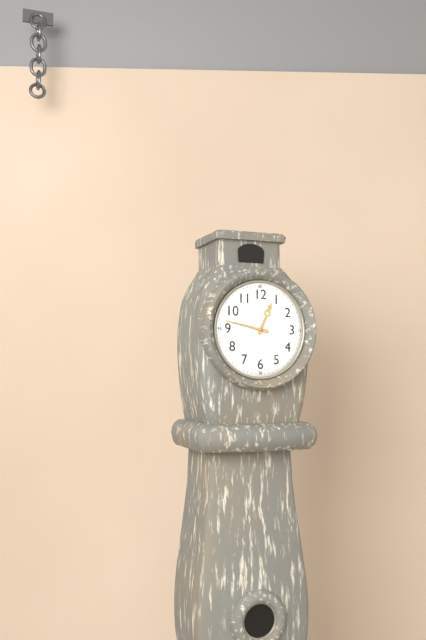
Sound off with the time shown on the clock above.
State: 12:47
